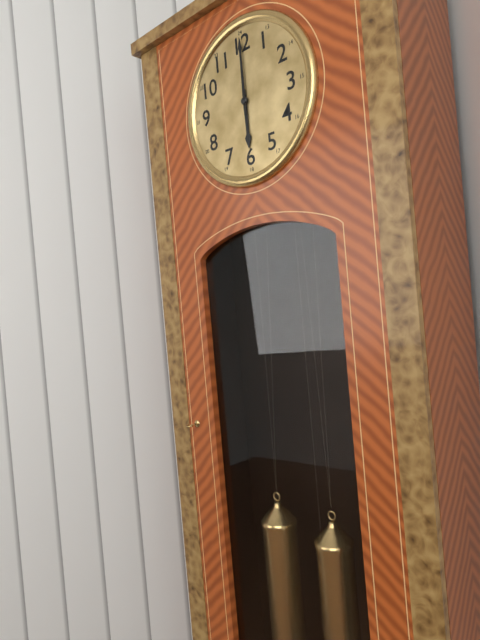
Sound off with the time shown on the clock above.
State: 6:00
